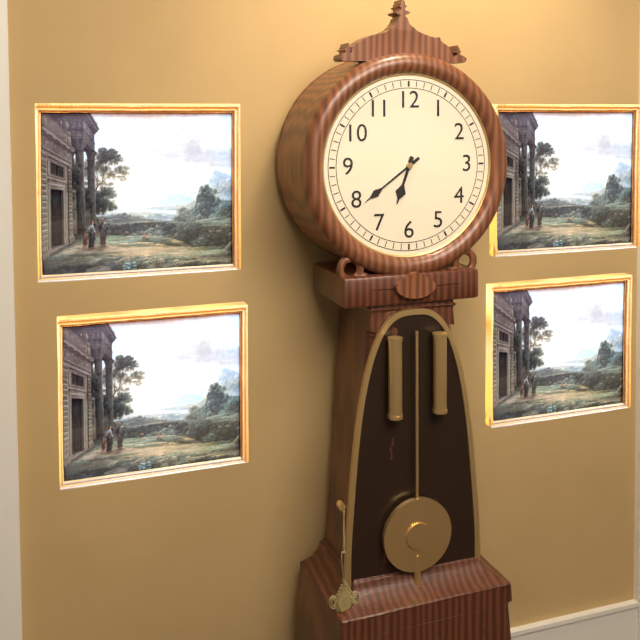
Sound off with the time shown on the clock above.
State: 6:39
